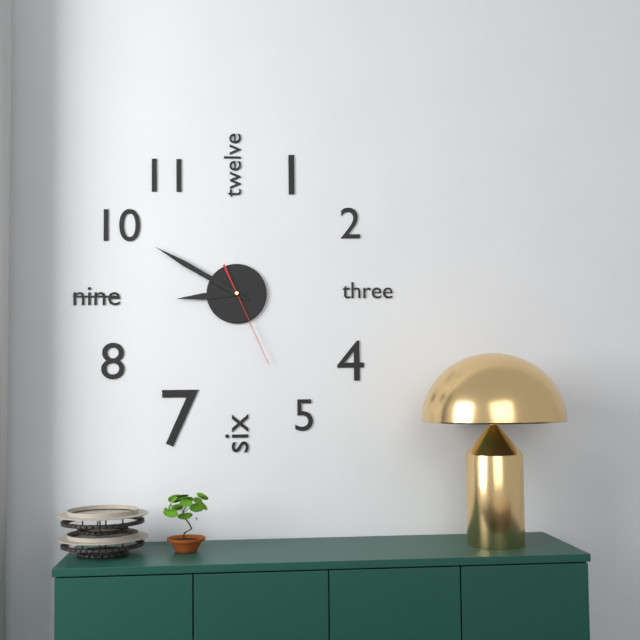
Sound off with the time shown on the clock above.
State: 8:50:26
